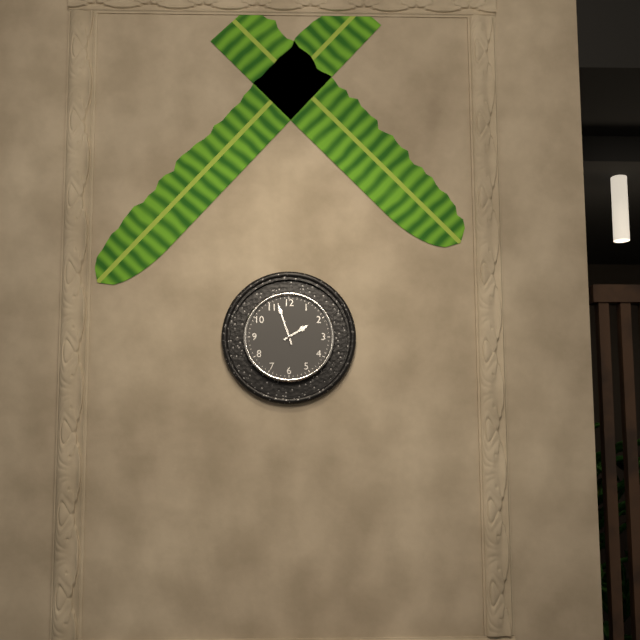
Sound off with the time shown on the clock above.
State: 1:57
